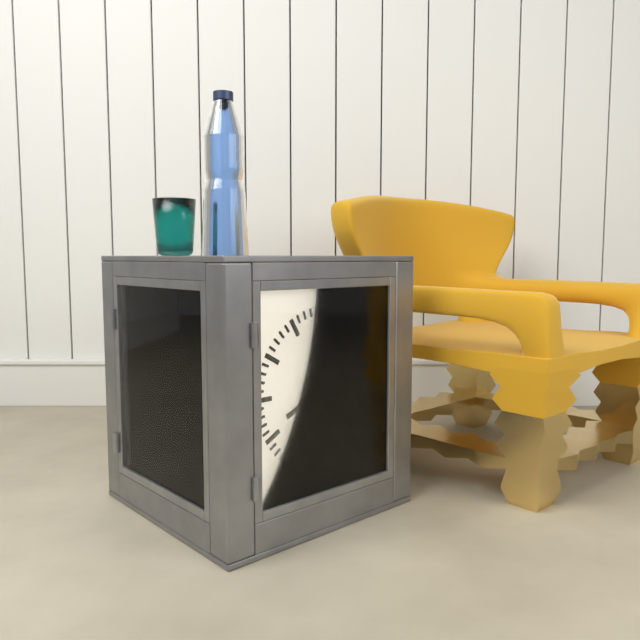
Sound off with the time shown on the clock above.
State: 8:13
